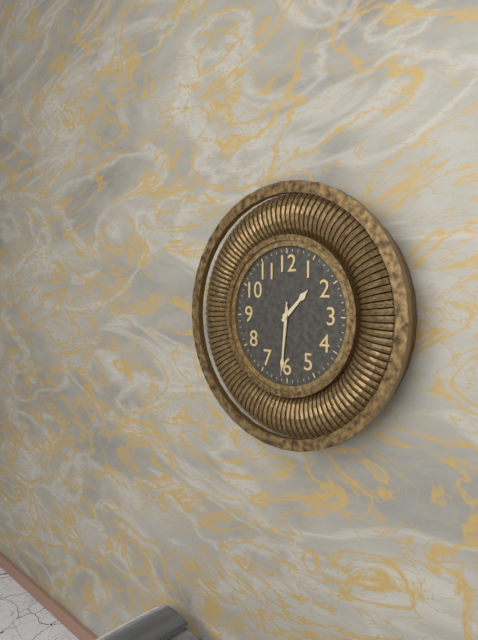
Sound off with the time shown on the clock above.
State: 1:31:31
